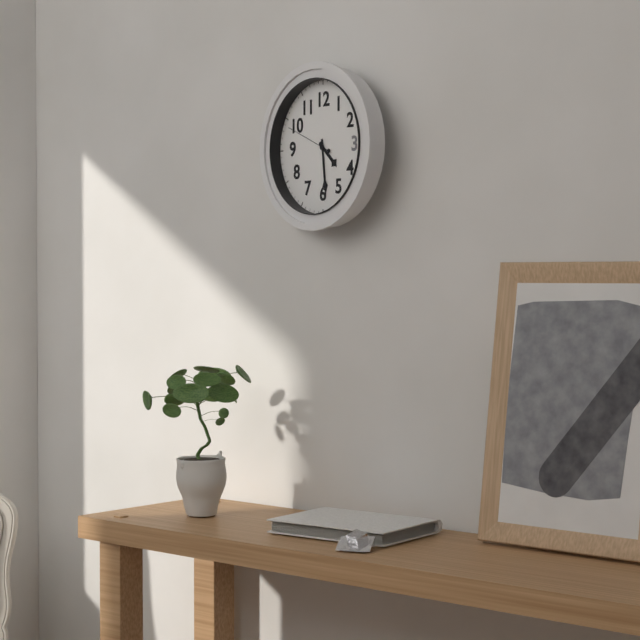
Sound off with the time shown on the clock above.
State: 4:29
